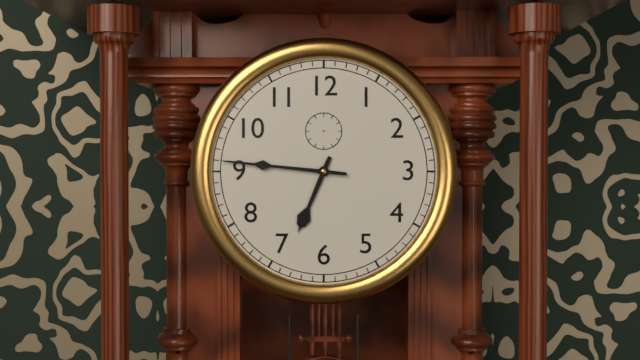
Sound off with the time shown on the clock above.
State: 6:46
